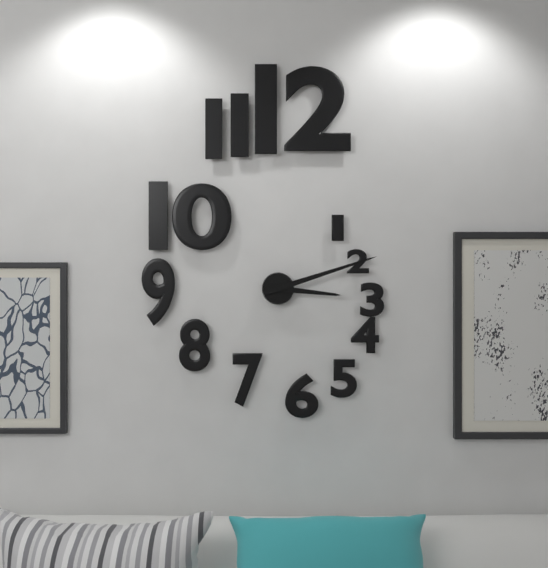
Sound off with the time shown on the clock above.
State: 3:12
